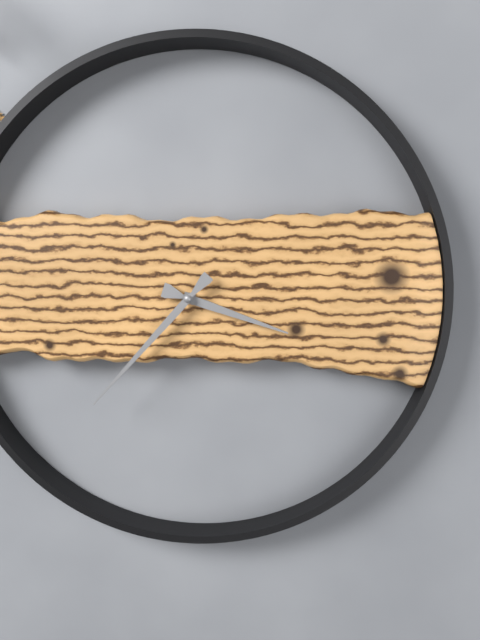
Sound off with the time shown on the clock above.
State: 3:37
